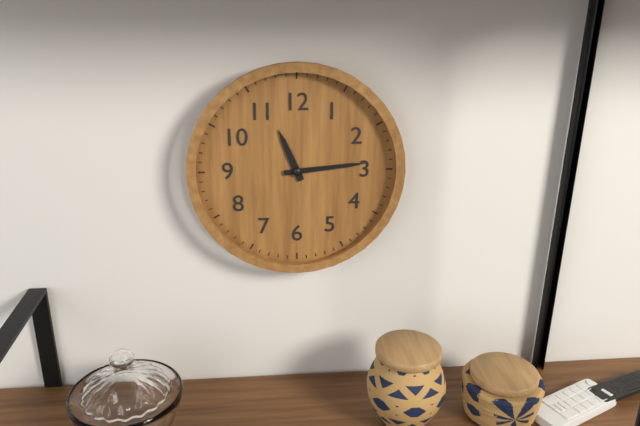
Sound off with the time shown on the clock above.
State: 11:14
